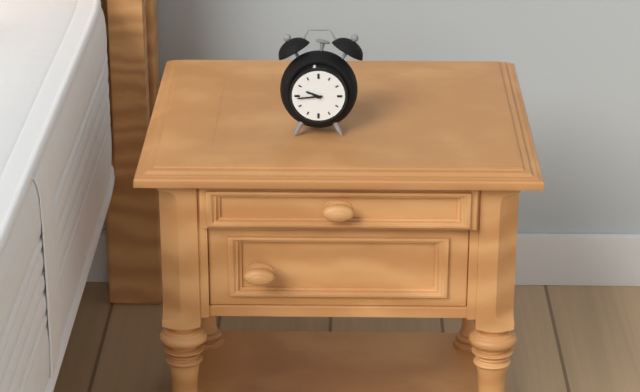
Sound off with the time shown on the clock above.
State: 9:44
